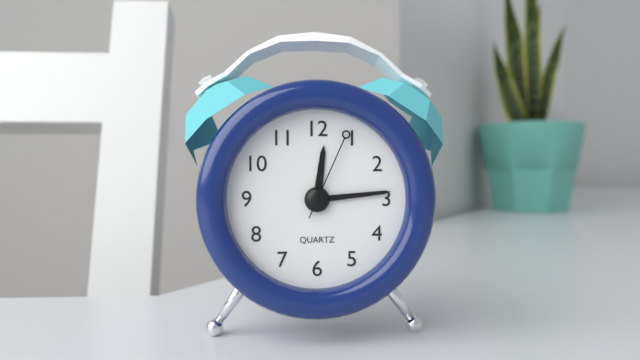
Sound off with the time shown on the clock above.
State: 12:14:04
